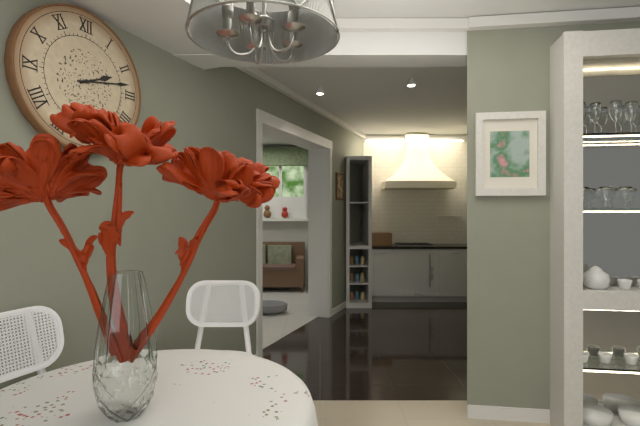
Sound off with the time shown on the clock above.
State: 2:13
